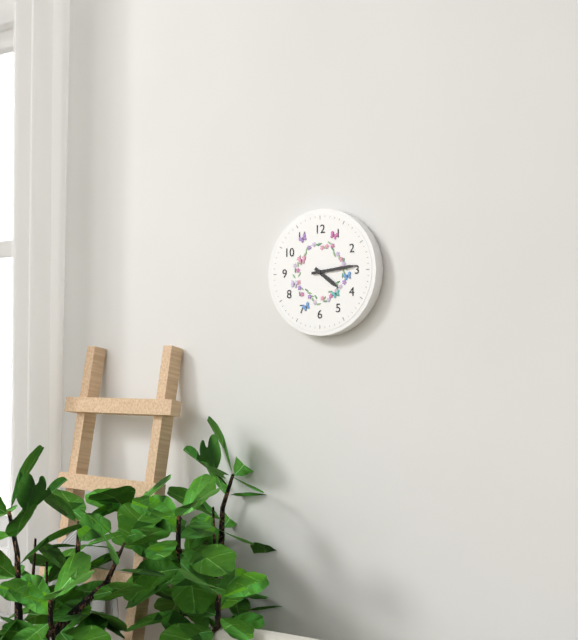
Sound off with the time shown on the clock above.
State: 4:14
